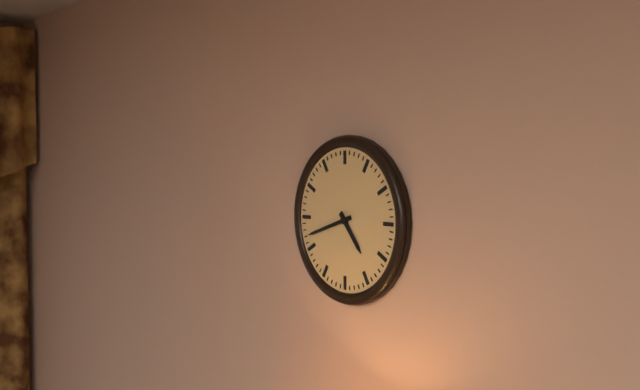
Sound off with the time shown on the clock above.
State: 4:42
